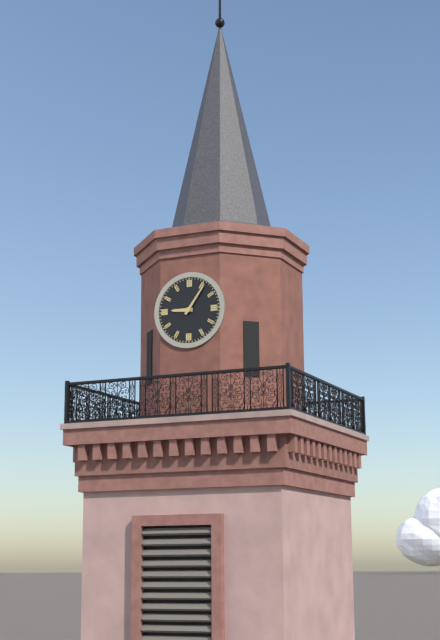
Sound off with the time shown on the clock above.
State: 9:06
